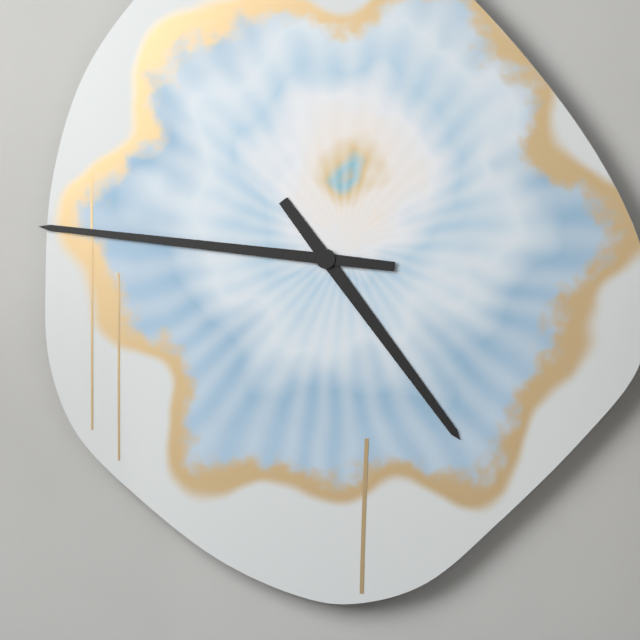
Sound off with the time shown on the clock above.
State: 4:46
